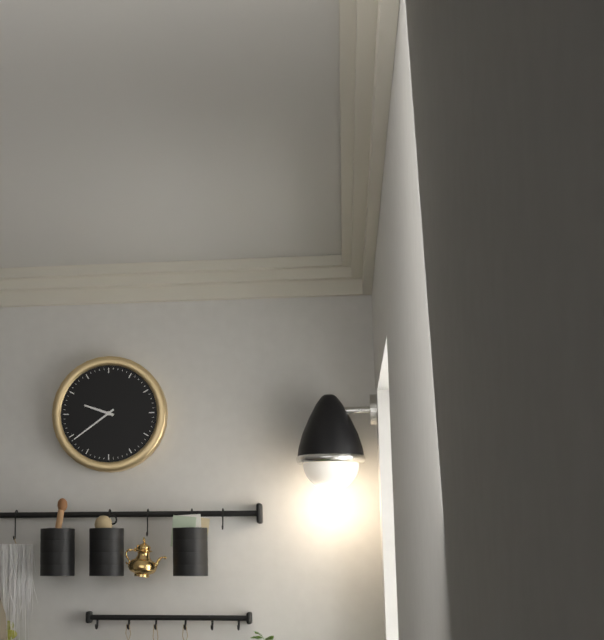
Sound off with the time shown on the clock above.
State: 9:39
